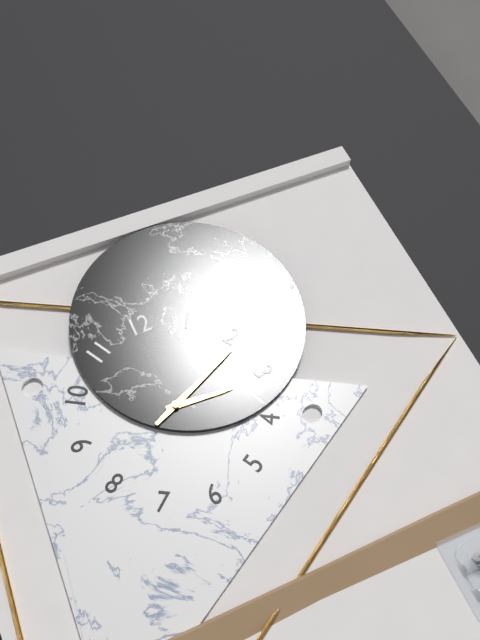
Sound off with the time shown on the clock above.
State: 3:11
